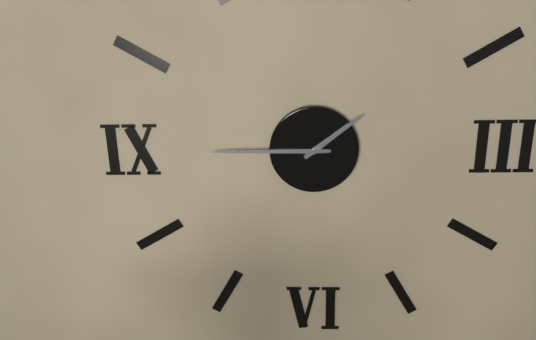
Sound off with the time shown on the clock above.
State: 1:45
